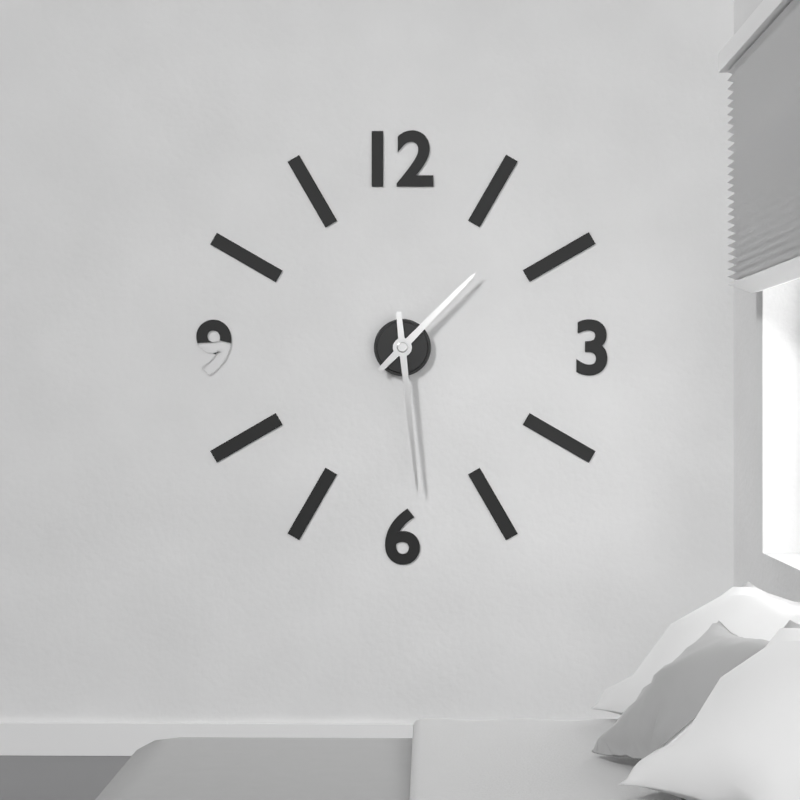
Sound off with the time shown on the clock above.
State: 1:29
